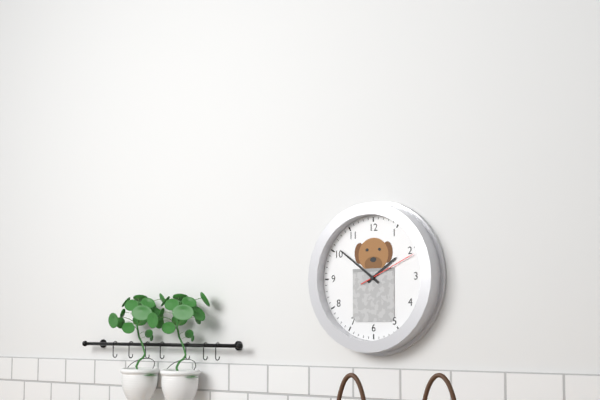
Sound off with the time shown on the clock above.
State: 1:51:11
